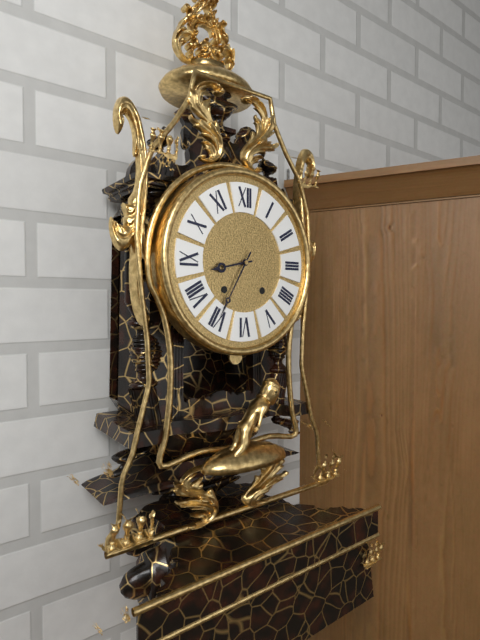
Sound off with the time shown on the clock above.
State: 8:35
